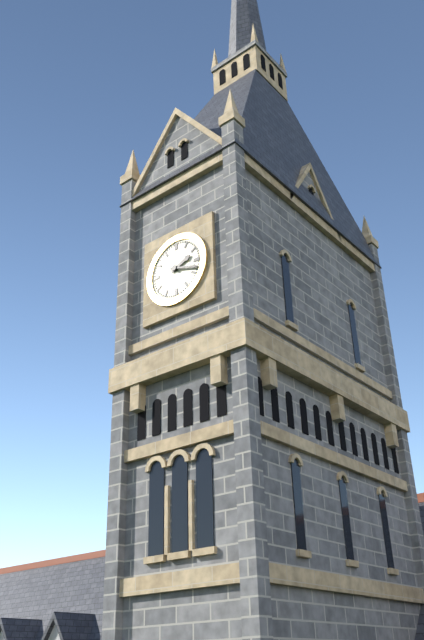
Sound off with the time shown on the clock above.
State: 2:18
